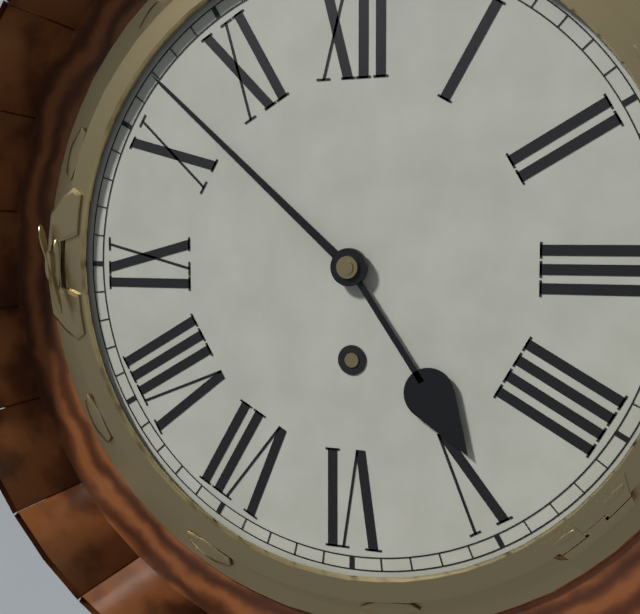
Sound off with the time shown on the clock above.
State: 4:52
